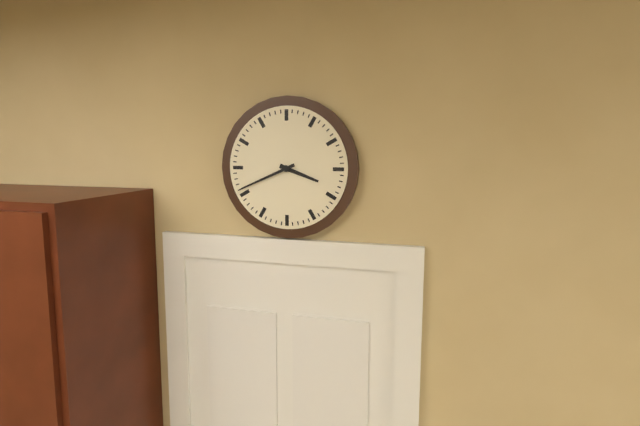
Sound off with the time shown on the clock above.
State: 3:41
